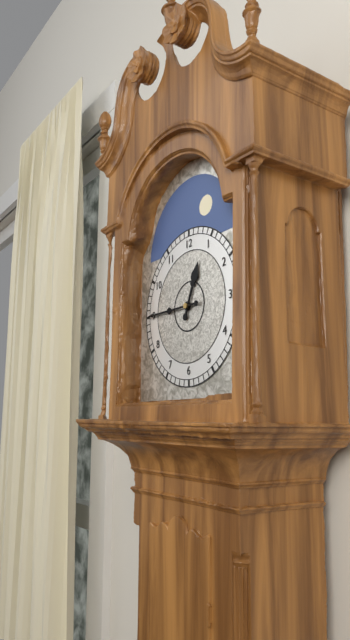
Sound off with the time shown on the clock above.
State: 12:45
